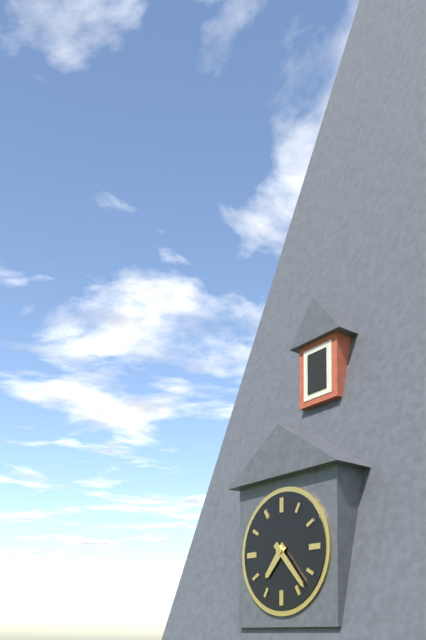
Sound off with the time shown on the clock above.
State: 7:23
